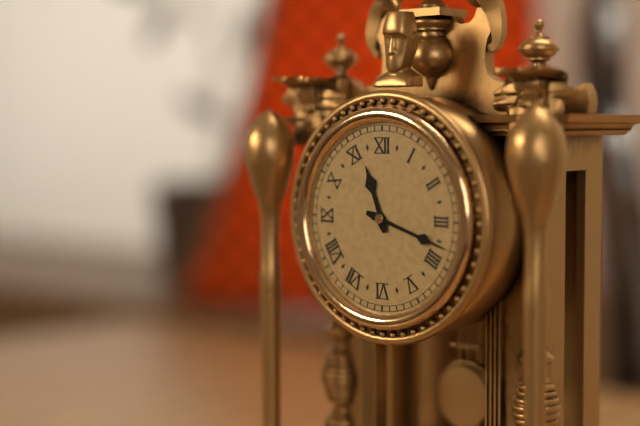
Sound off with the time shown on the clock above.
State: 11:18
